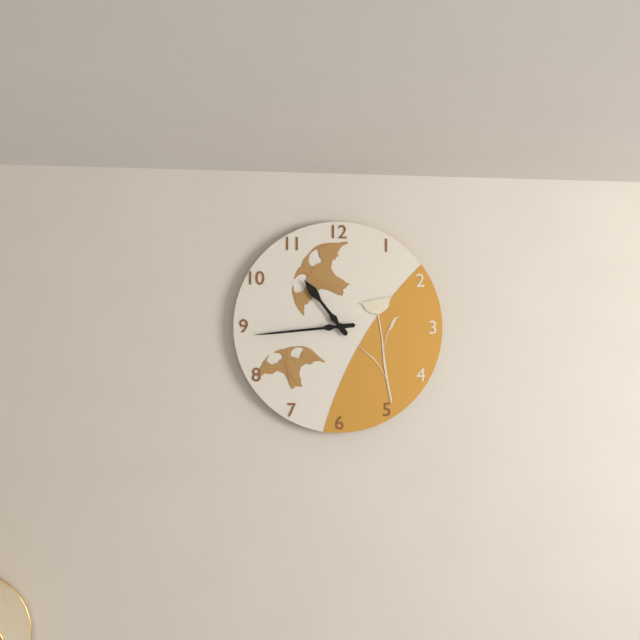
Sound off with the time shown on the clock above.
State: 10:44
